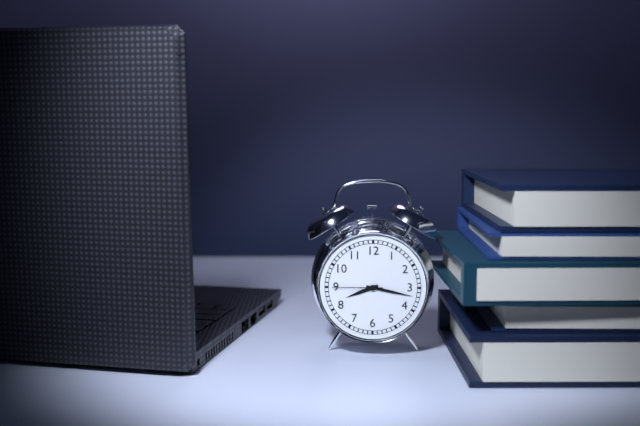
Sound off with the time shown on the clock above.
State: 8:17:45
